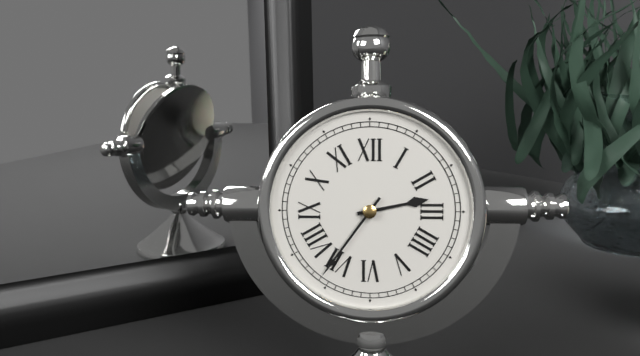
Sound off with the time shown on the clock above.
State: 2:36
